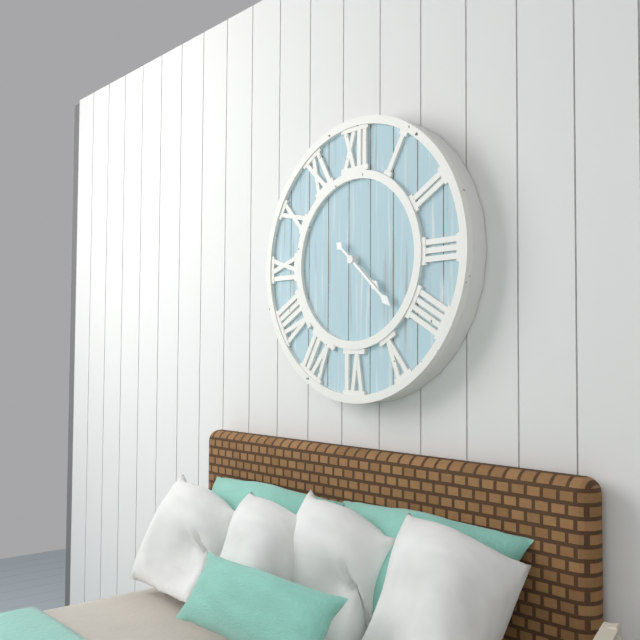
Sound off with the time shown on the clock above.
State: 4:22
